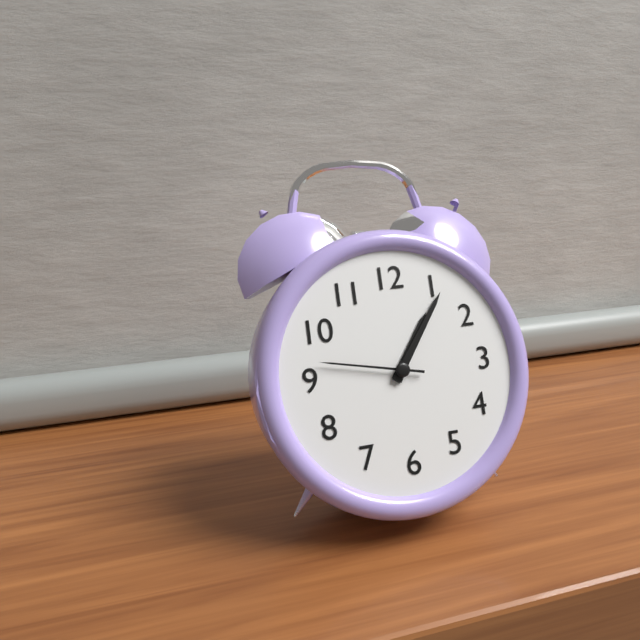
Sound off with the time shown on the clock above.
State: 1:06:47
